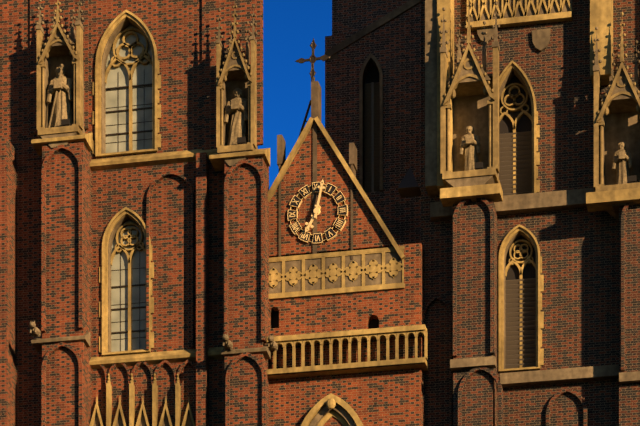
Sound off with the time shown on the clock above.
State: 7:02
